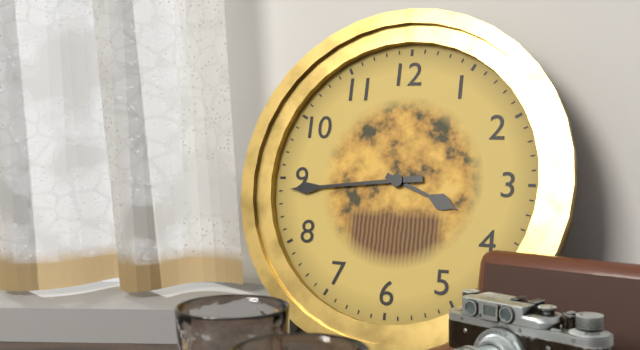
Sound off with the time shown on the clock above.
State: 3:44
